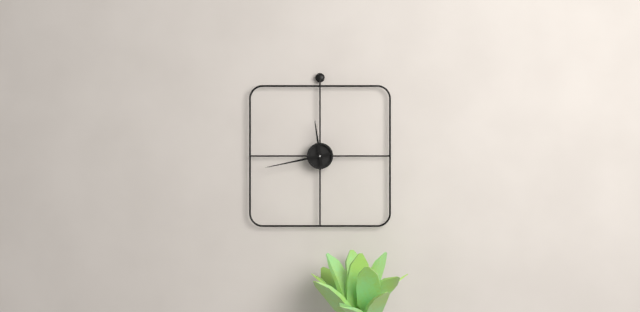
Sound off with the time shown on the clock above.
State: 11:43
